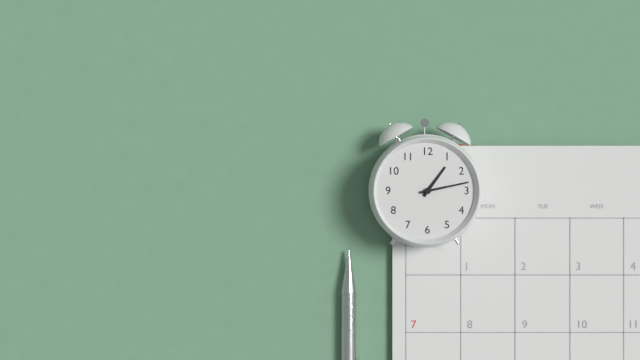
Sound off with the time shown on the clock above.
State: 1:13
